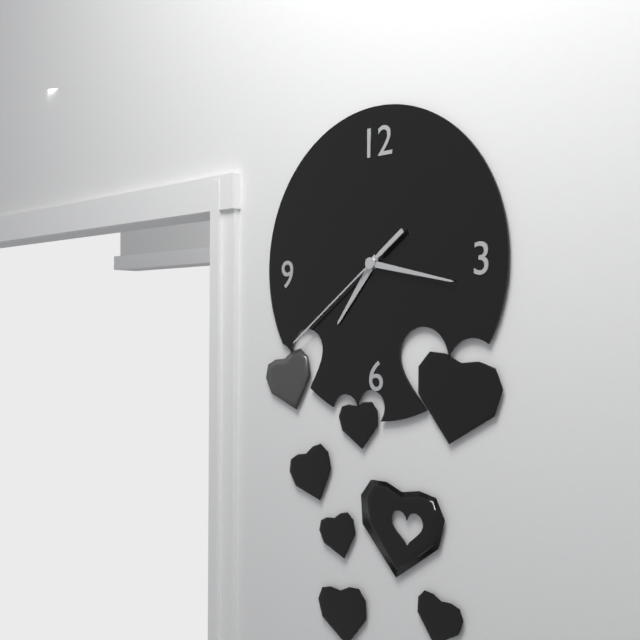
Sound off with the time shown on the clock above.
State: 7:17:39
